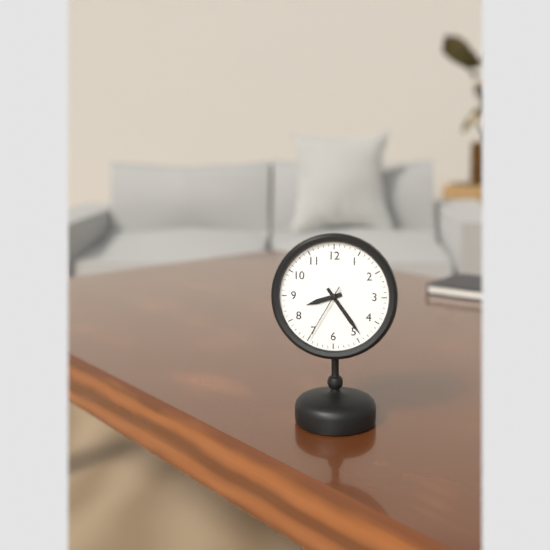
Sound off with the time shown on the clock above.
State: 8:24:35
